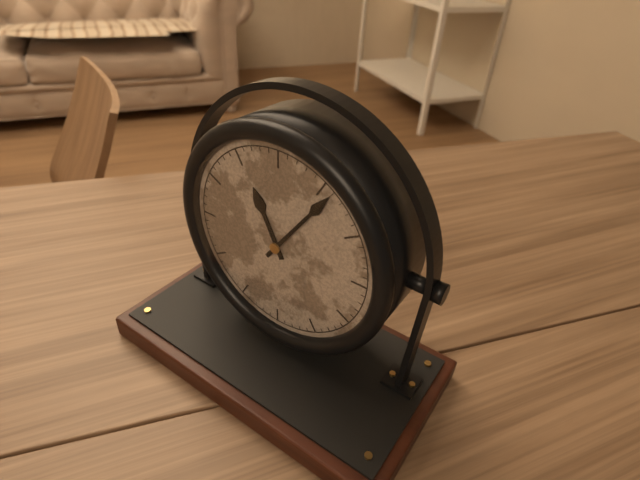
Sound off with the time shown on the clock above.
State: 11:06
